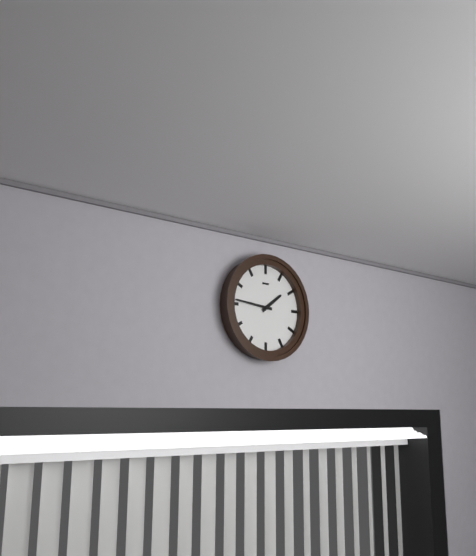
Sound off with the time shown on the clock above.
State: 1:46
